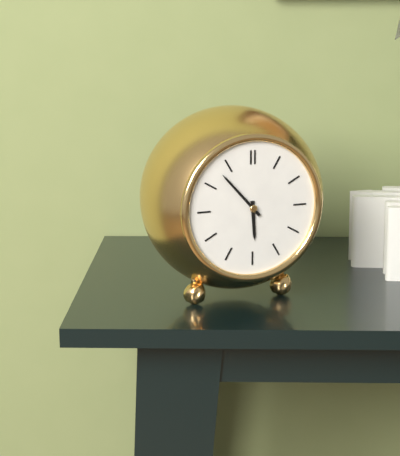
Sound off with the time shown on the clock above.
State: 5:53
